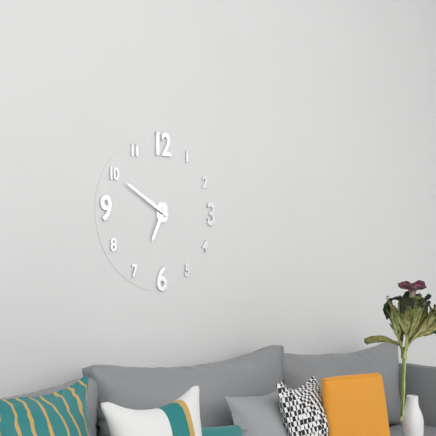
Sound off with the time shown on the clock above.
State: 6:50
